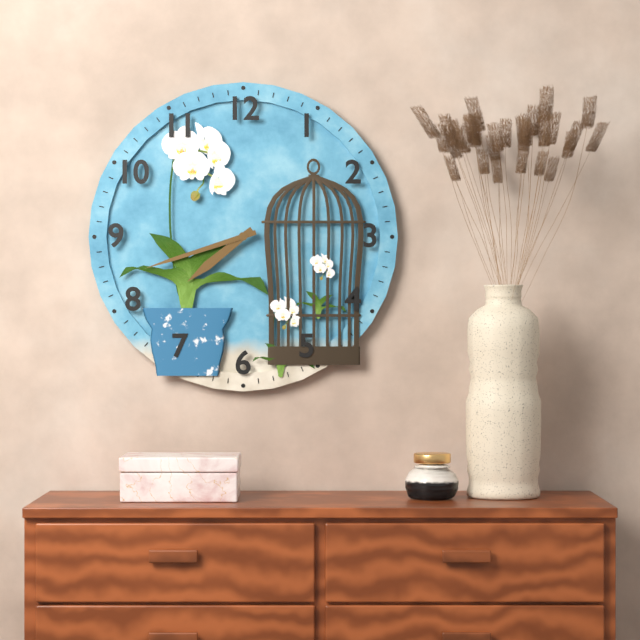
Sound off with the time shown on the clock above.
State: 7:42
